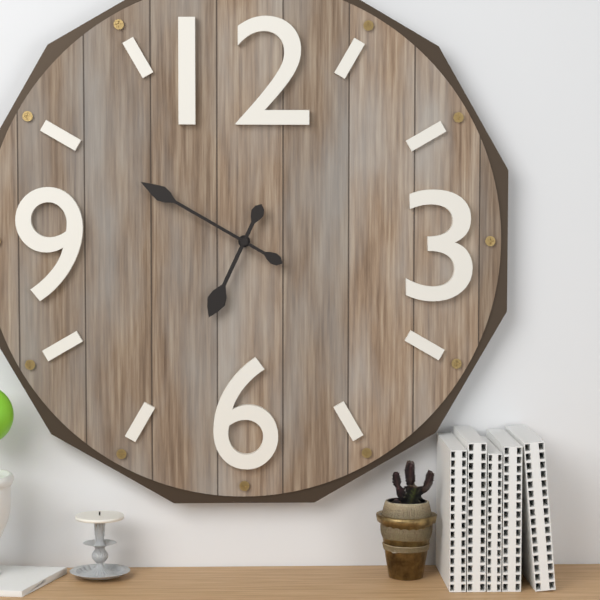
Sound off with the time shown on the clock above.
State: 6:50
